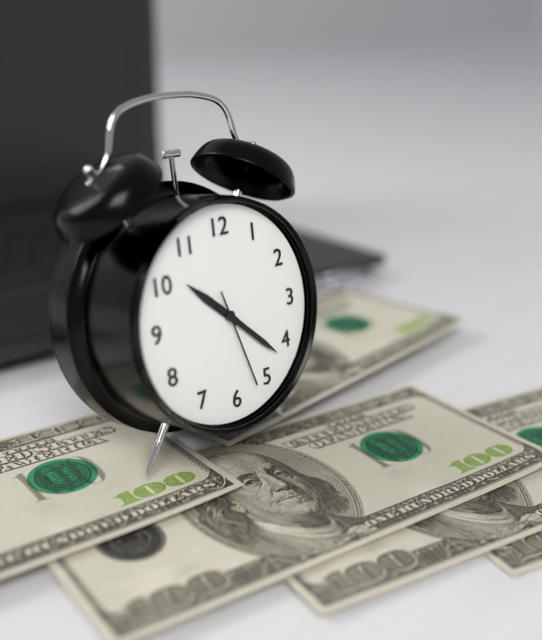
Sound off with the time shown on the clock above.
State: 10:22:27
